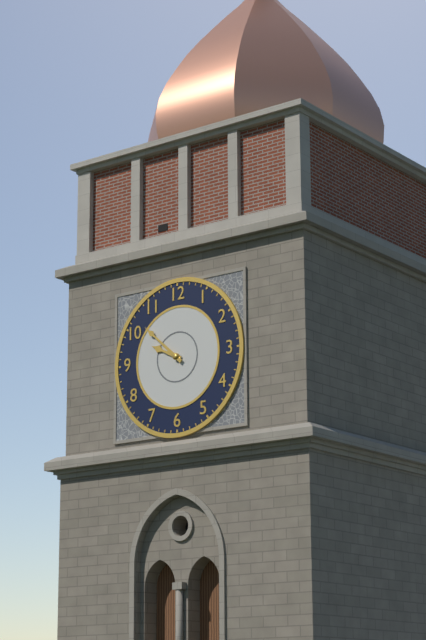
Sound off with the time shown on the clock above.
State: 9:52
